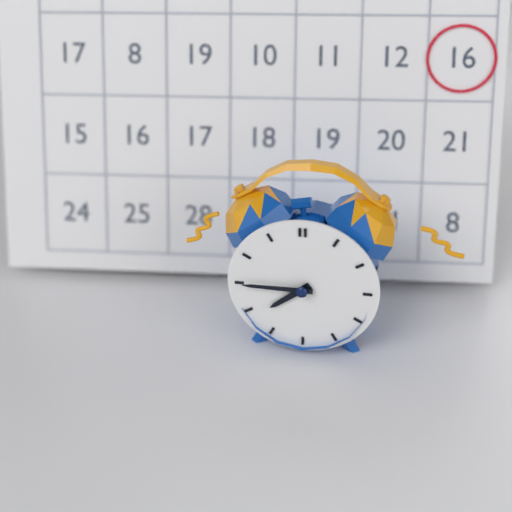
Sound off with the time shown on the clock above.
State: 7:45
